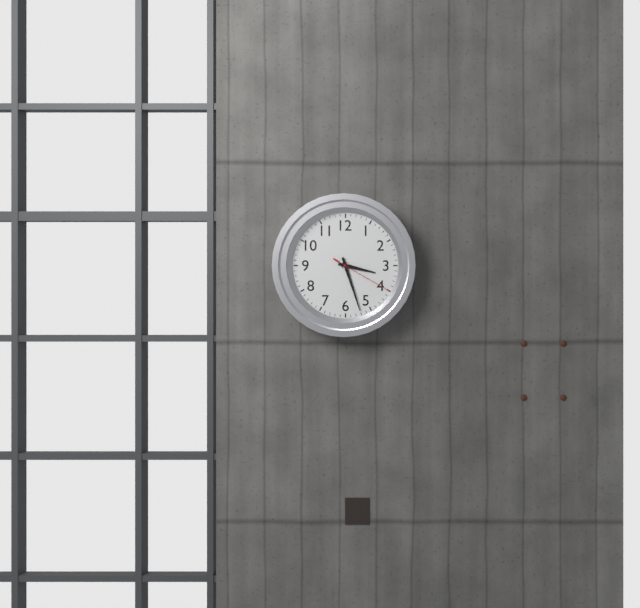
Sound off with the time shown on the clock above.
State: 3:27:20
